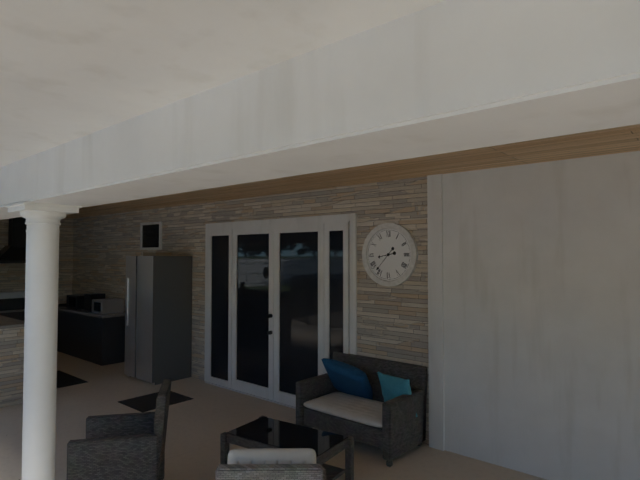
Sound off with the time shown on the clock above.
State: 8:37
